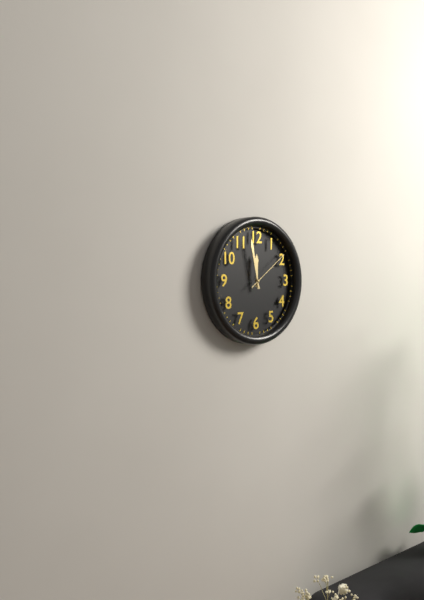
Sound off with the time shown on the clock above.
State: 11:58
